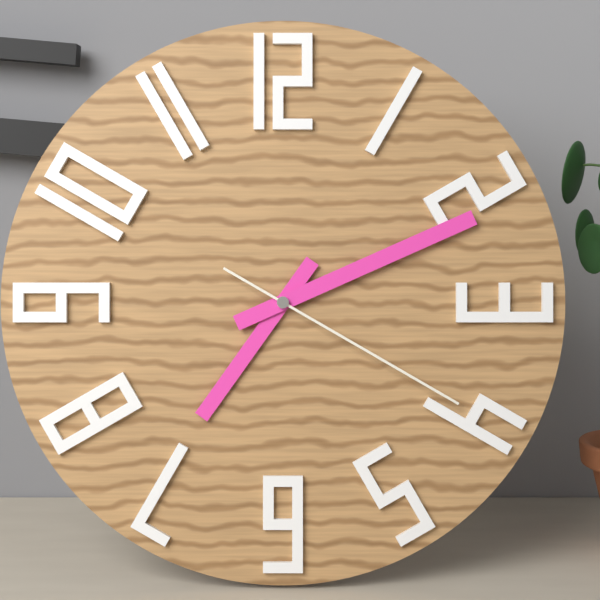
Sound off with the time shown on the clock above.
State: 7:11:20
